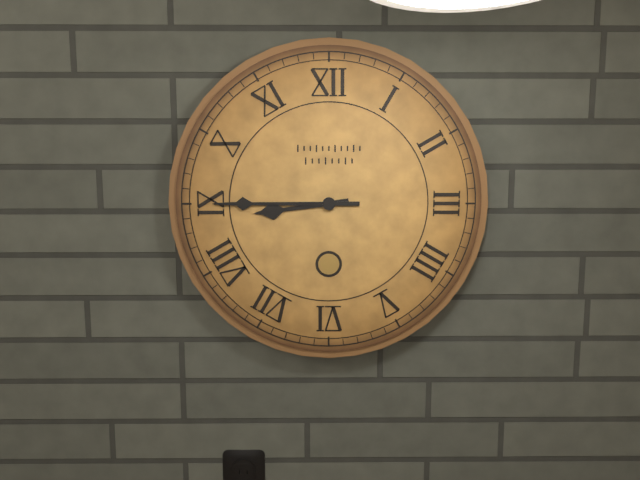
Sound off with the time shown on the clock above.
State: 8:45
